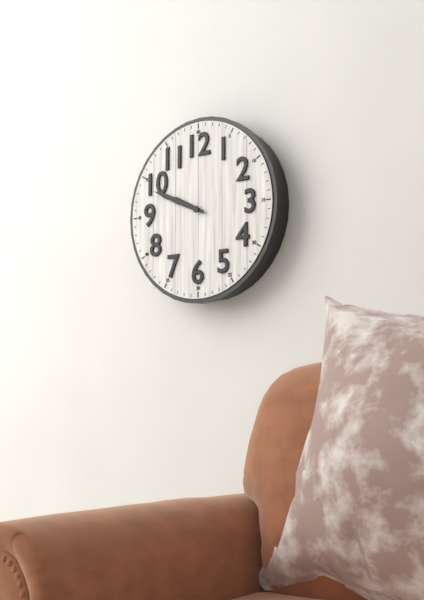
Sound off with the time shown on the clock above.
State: 9:49
